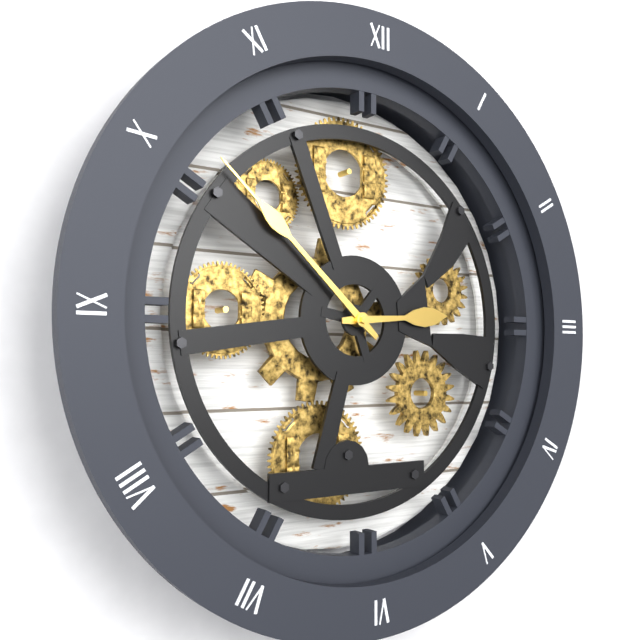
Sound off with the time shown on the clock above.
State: 2:52
